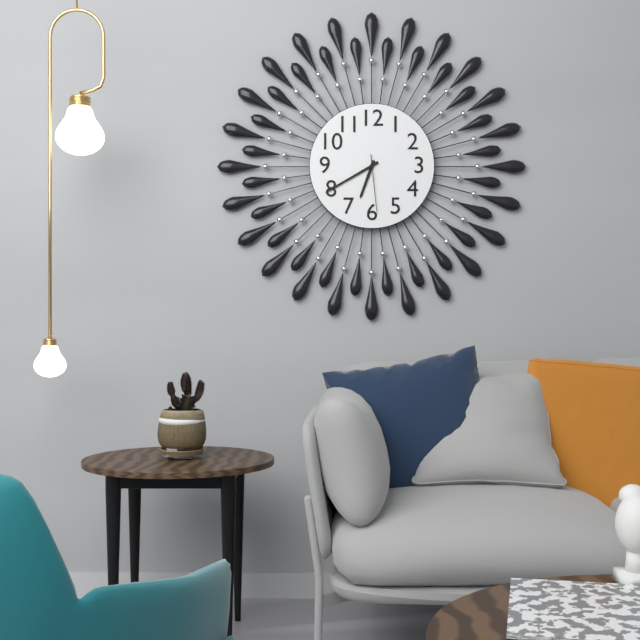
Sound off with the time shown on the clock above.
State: 6:40:29
